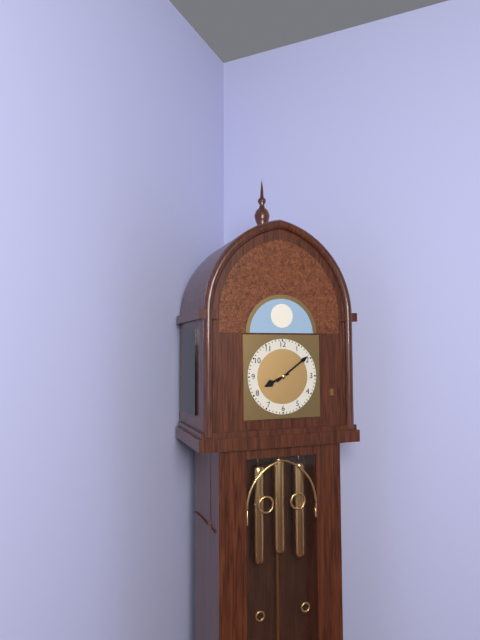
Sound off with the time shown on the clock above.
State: 8:09
